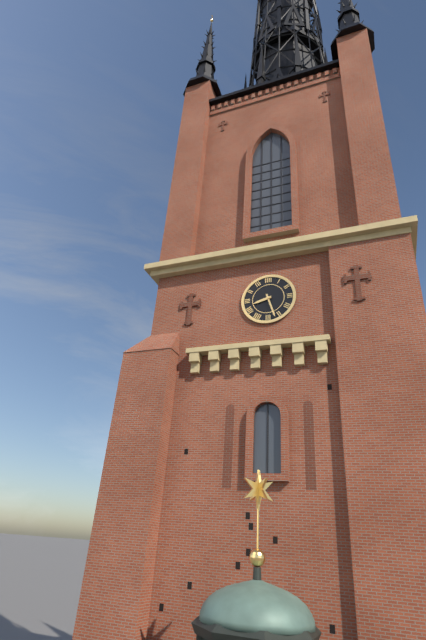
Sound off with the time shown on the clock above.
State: 8:27
